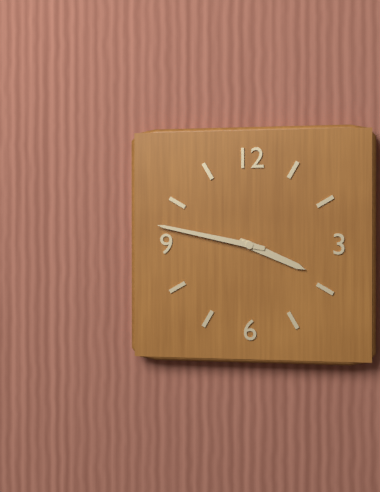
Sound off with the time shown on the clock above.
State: 3:47
